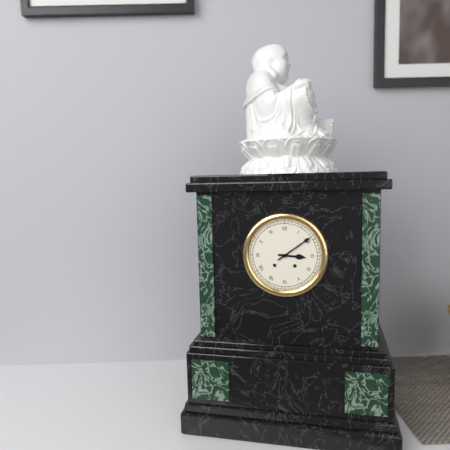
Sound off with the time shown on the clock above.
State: 3:09
